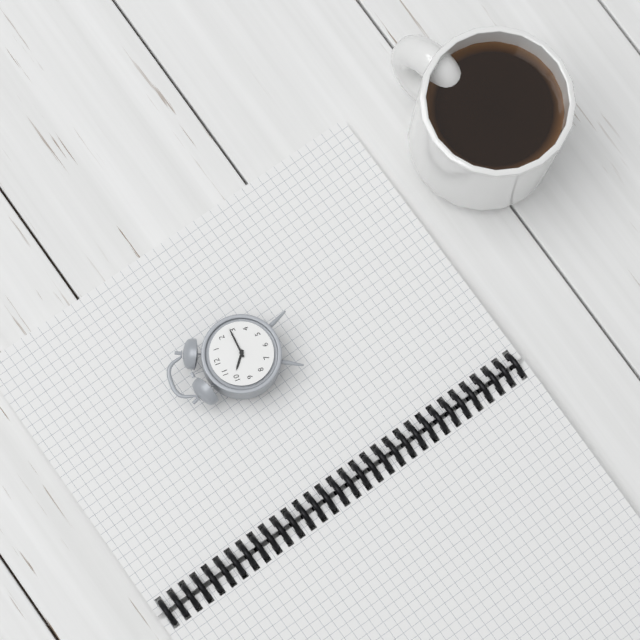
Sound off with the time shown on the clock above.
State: 10:14
